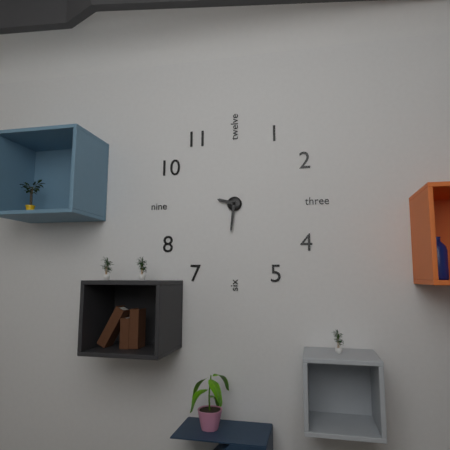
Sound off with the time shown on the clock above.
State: 9:31
